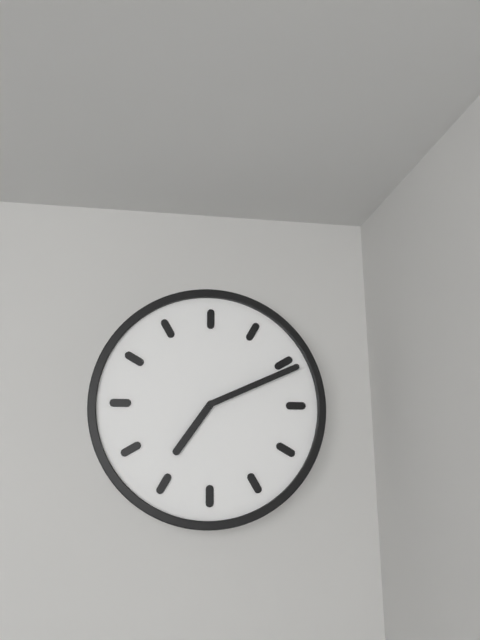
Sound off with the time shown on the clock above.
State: 7:11
